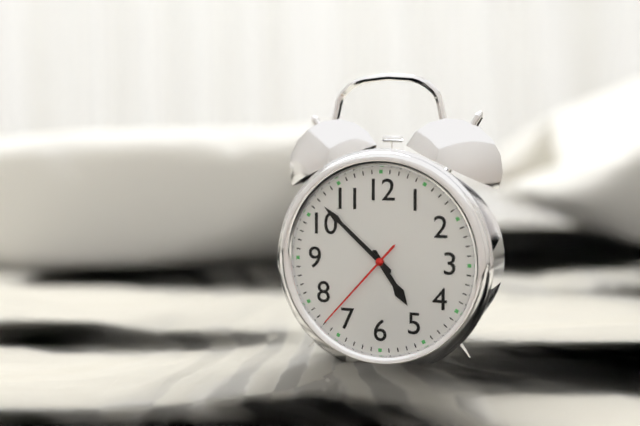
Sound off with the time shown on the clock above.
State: 4:52:37
